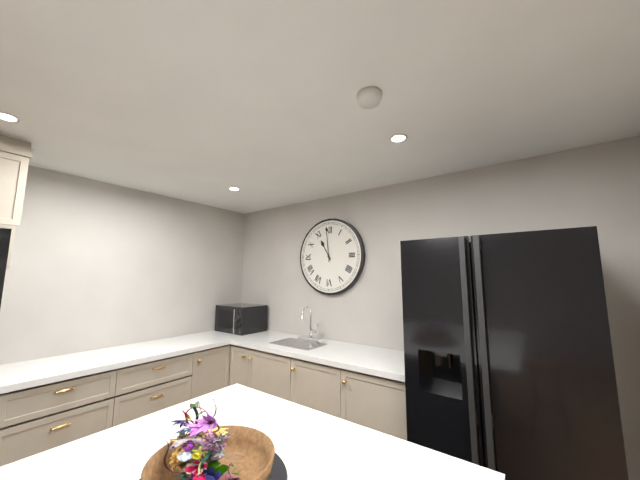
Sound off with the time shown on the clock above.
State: 10:59
